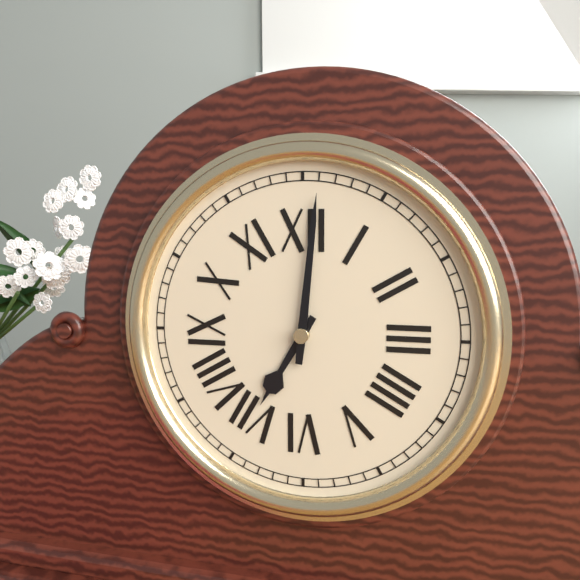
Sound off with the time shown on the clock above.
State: 7:01
